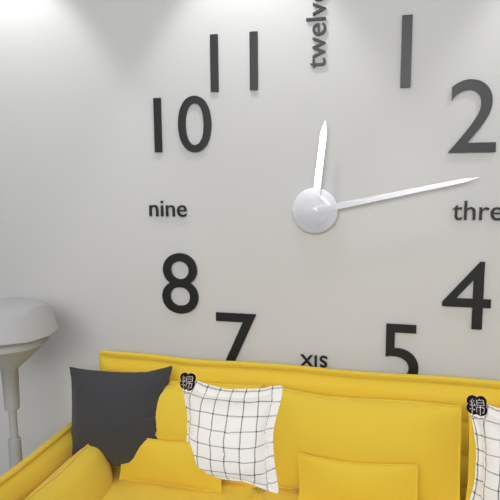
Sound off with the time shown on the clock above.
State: 12:13
